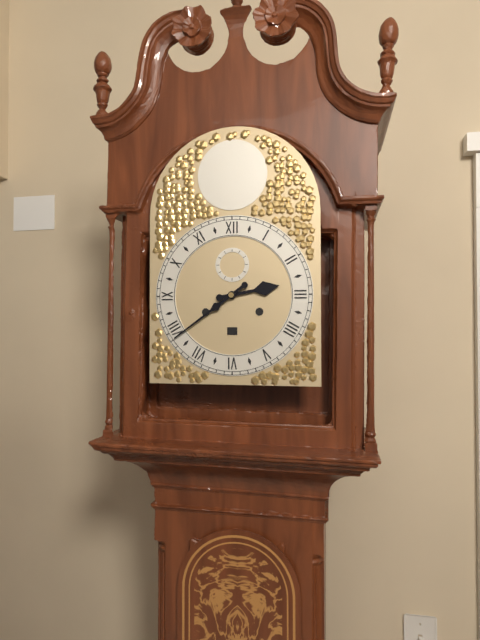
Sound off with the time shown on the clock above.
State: 2:39
